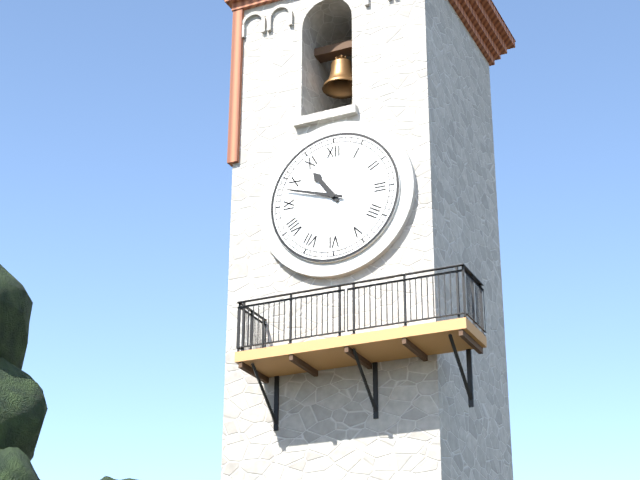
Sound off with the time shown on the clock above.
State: 10:48
